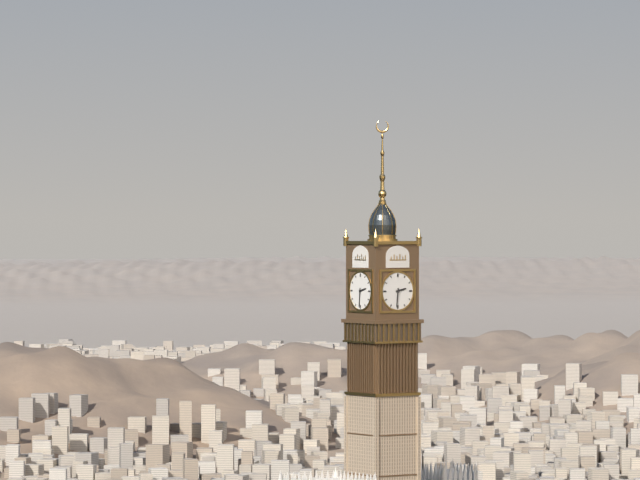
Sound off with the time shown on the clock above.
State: 2:31
